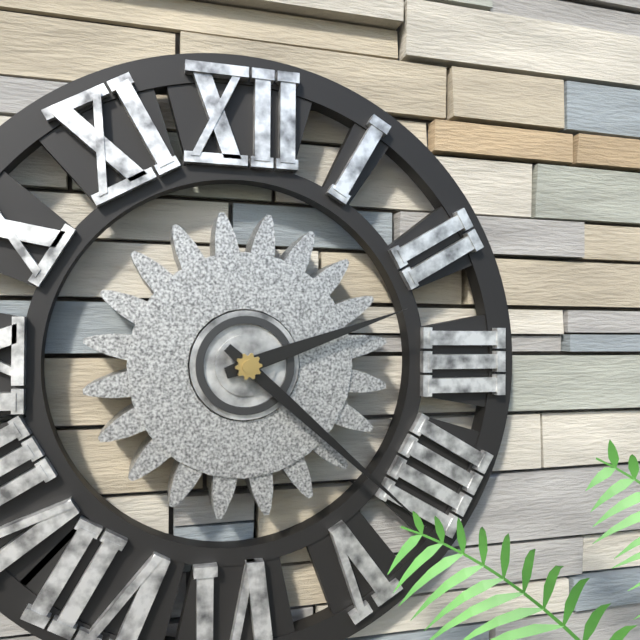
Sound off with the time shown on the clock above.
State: 2:22
